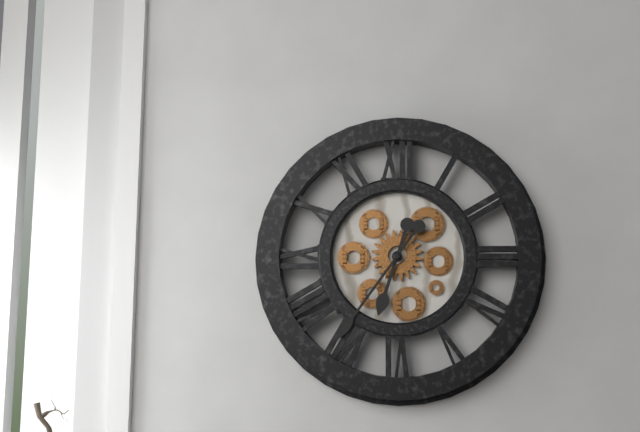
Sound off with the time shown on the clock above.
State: 6:36
